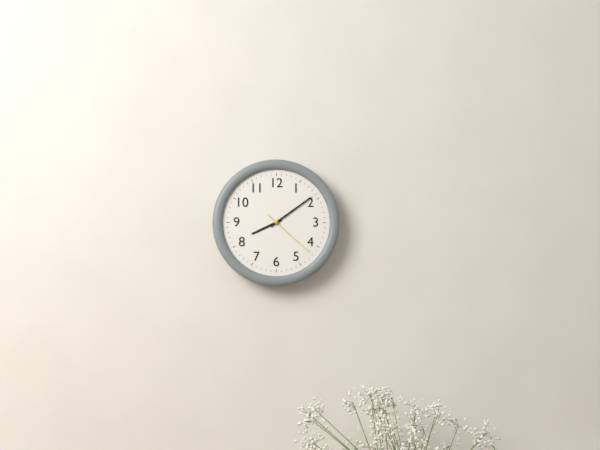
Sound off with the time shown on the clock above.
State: 8:09:22
